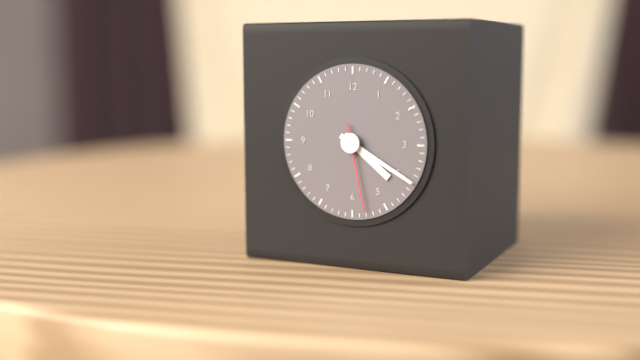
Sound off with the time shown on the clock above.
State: 4:20:28
